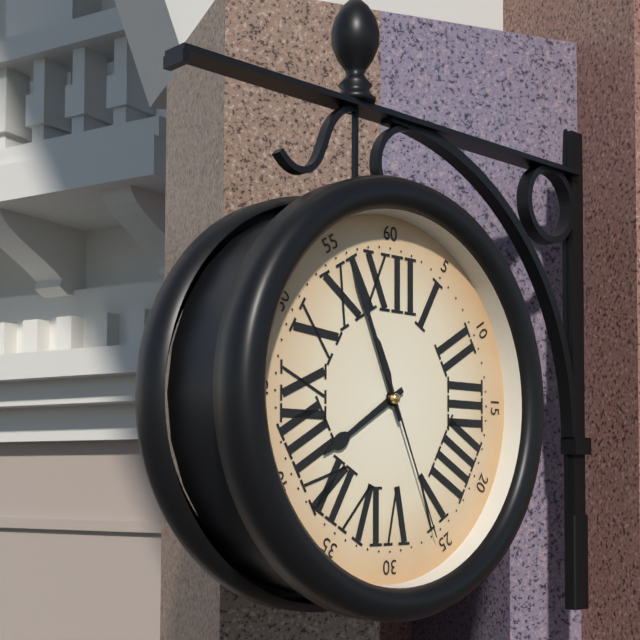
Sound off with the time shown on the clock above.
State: 7:56:26
